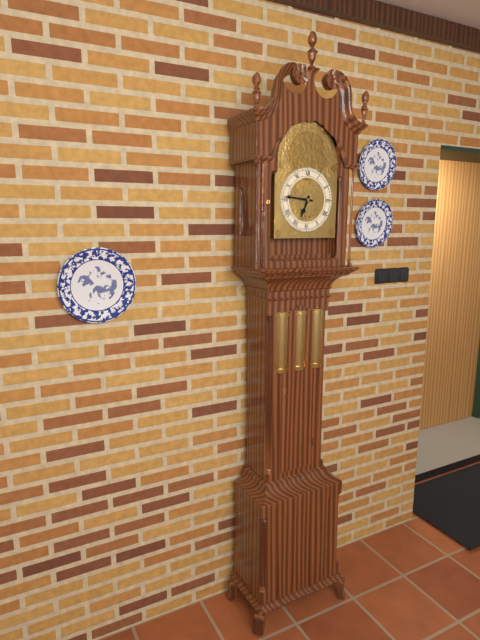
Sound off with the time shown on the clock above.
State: 6:46
